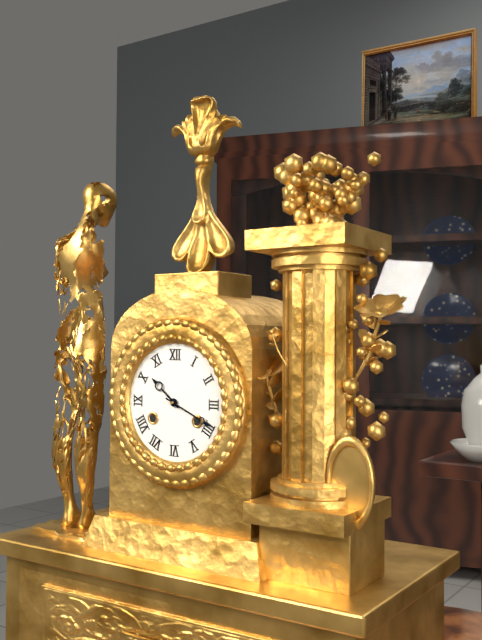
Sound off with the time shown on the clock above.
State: 10:19
